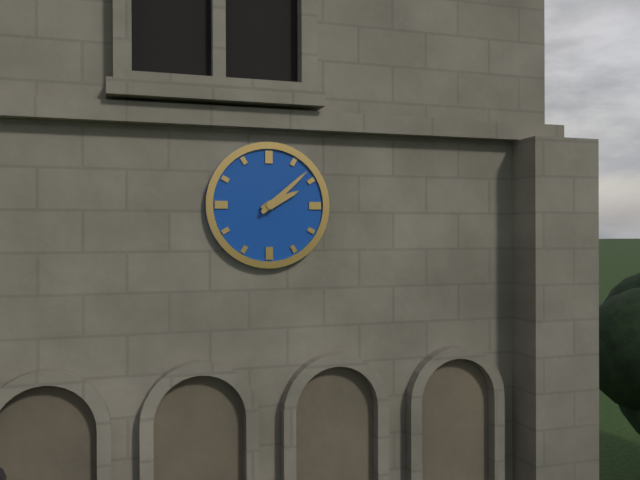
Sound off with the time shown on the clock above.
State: 2:08
